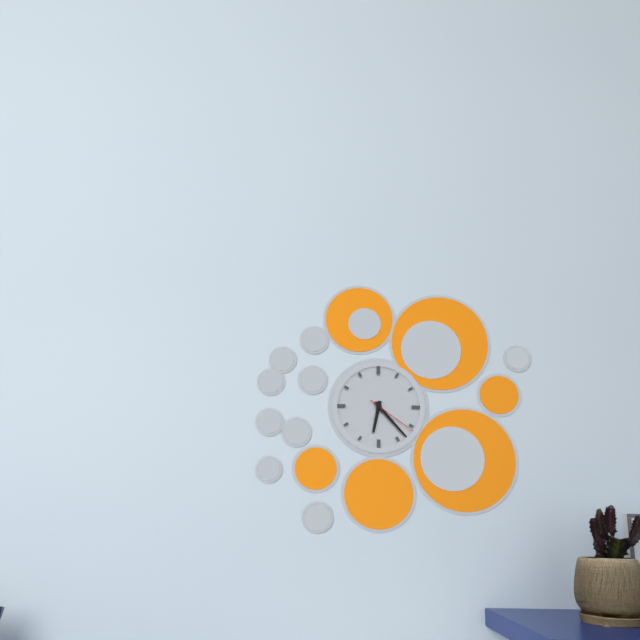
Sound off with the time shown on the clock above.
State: 6:23:21
